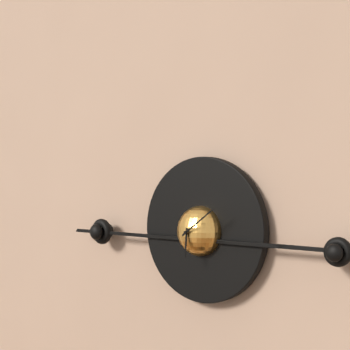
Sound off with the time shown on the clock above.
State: 6:09
